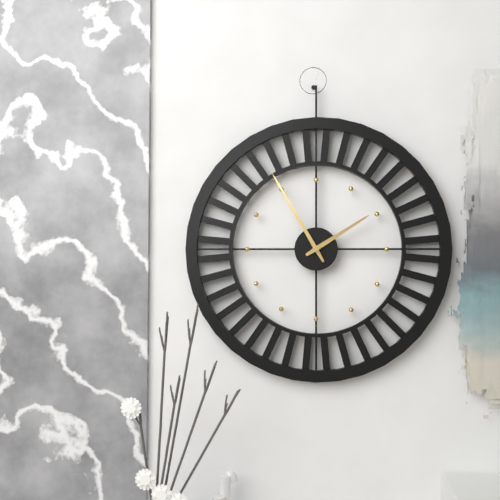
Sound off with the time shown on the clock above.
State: 1:55
